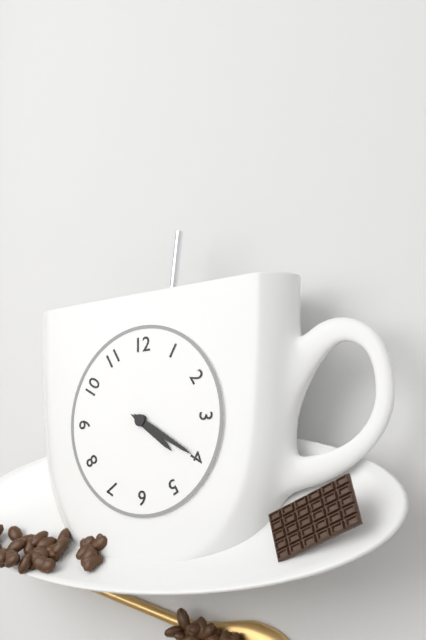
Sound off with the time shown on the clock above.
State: 4:20
